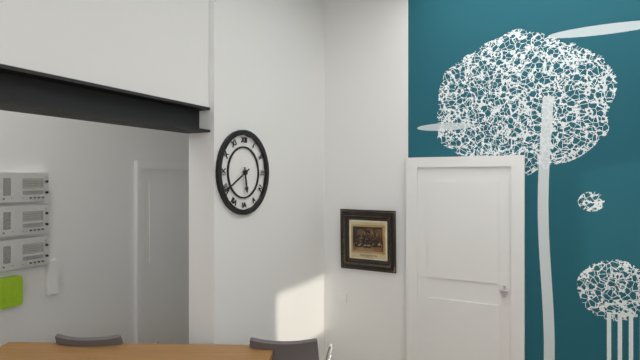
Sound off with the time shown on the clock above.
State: 5:40
